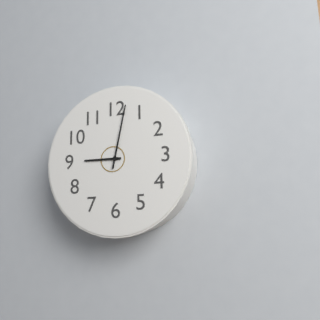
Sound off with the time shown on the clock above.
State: 9:02
